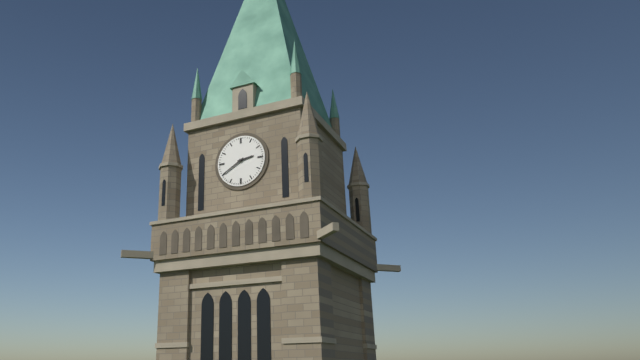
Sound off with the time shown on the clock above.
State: 2:40
